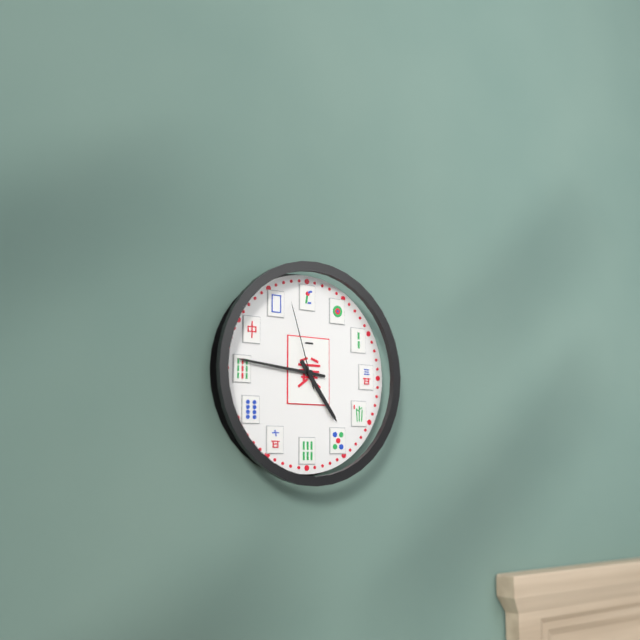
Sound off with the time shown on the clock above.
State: 4:46:57
